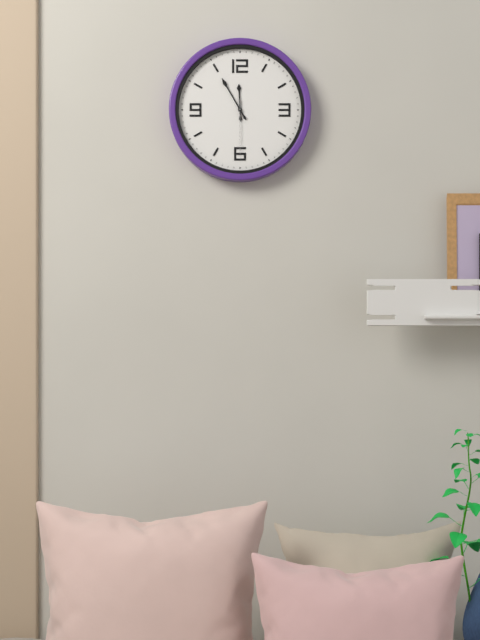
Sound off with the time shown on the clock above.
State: 11:55:30
